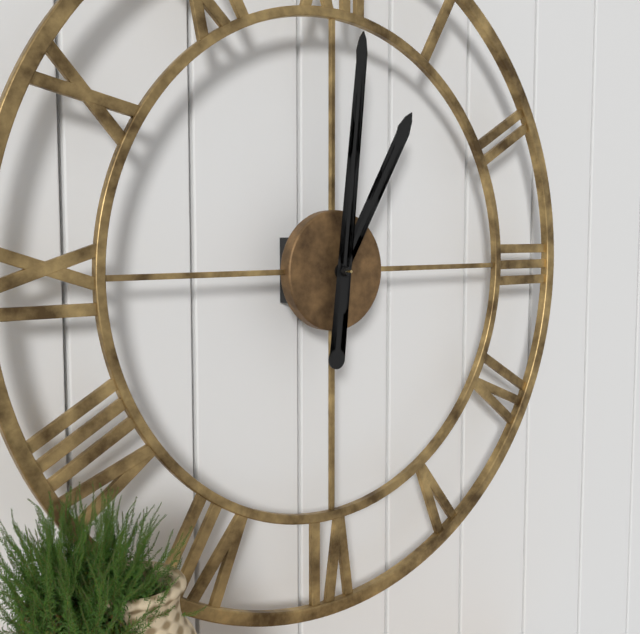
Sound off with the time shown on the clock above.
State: 1:01
